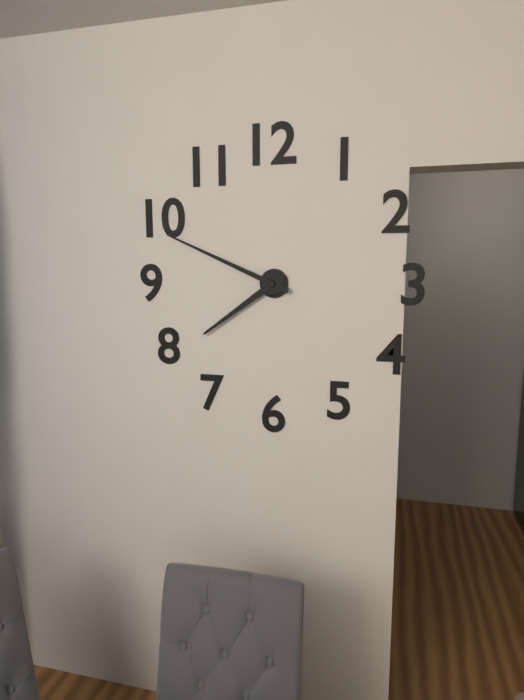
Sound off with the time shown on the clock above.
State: 7:49
